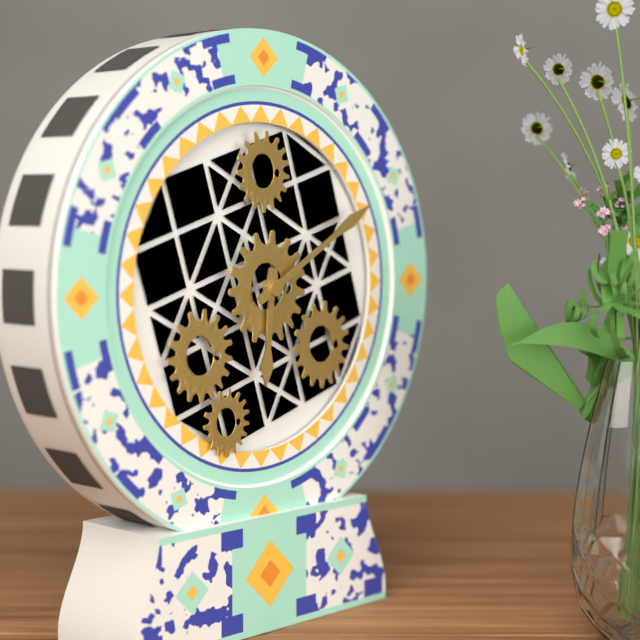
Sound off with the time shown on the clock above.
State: 6:10
